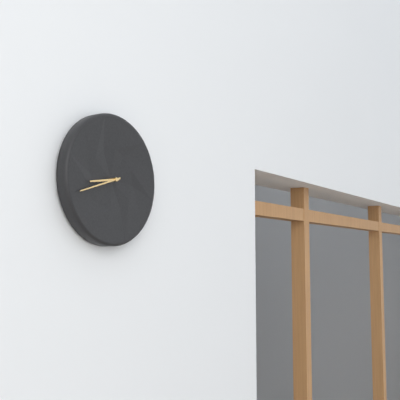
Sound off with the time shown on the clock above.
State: 8:42
